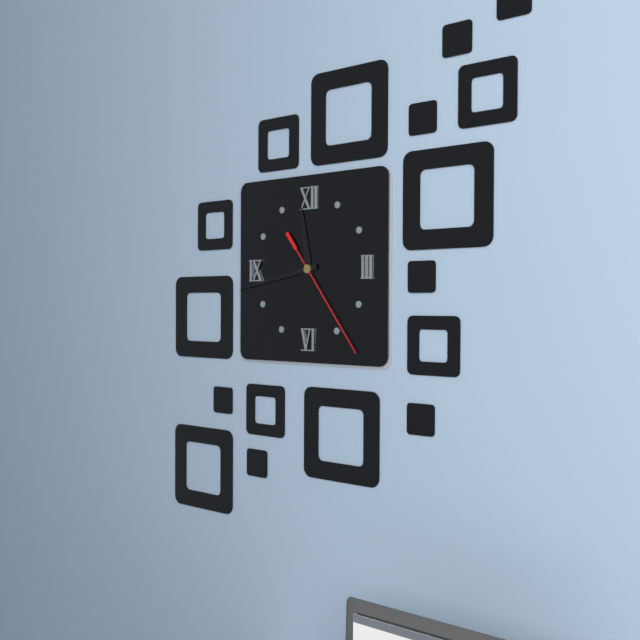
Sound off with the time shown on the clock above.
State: 11:43:24
